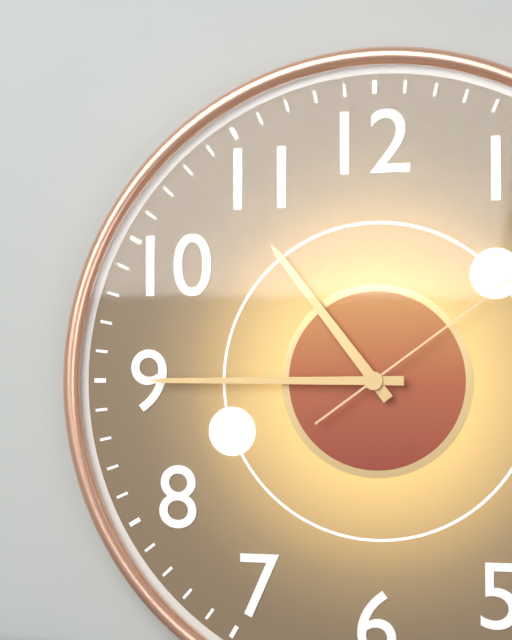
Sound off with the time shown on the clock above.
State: 10:45
